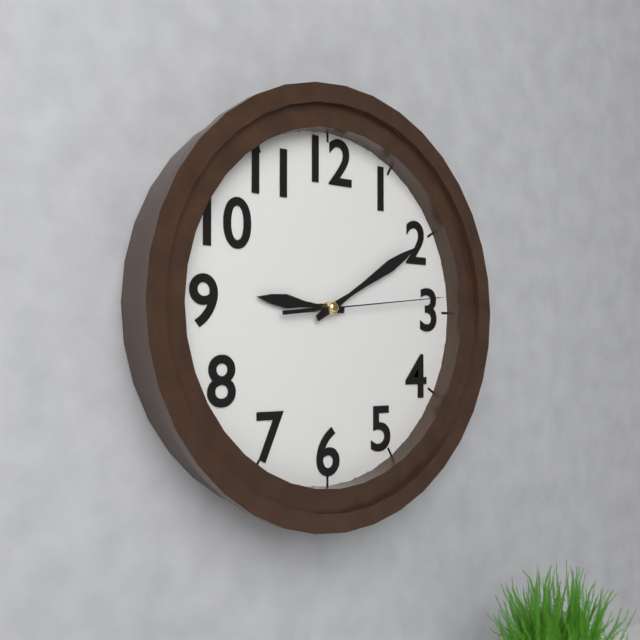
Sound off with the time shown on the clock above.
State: 9:10:14
